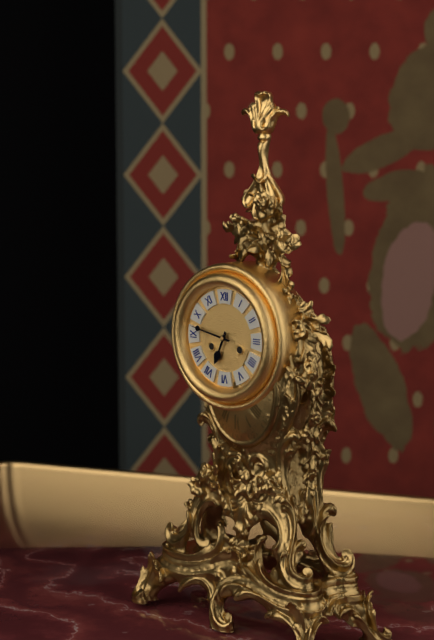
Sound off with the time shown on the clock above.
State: 6:47
